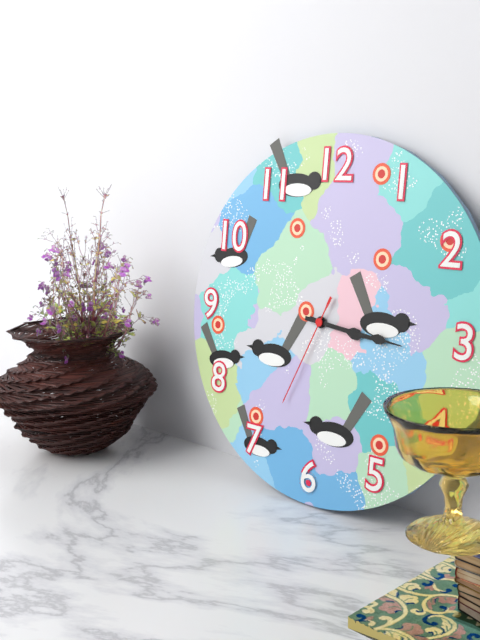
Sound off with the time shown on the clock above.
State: 3:16:34
